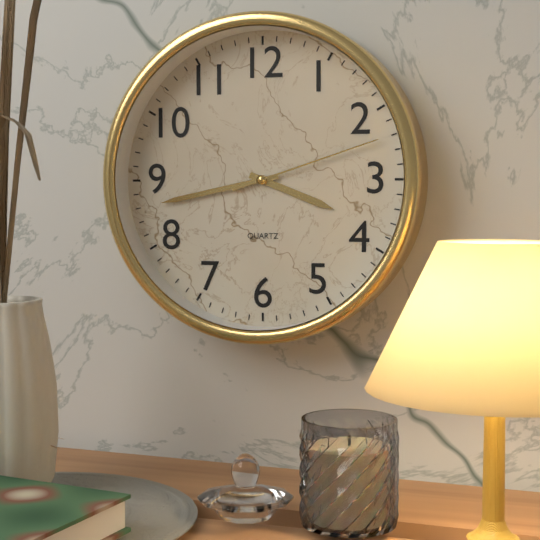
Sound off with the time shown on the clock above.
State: 3:43:12
